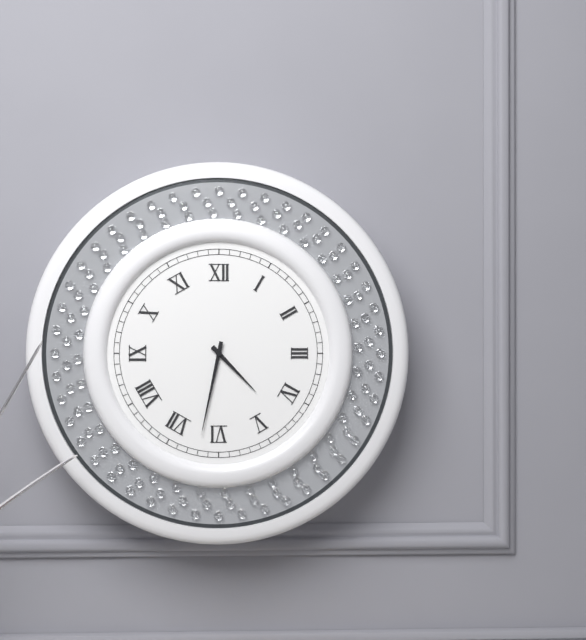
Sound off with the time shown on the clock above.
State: 4:32
